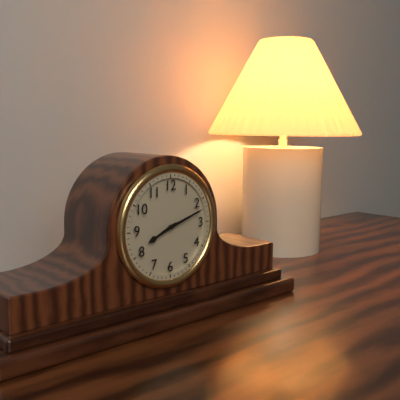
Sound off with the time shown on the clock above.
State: 8:12
